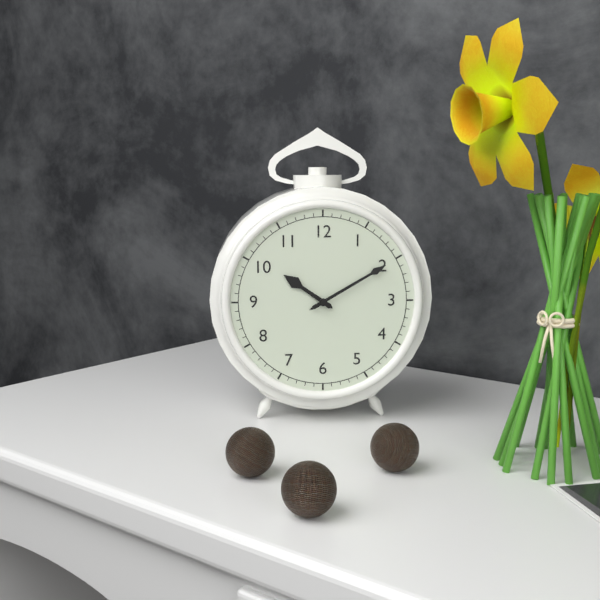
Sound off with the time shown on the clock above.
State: 10:10
